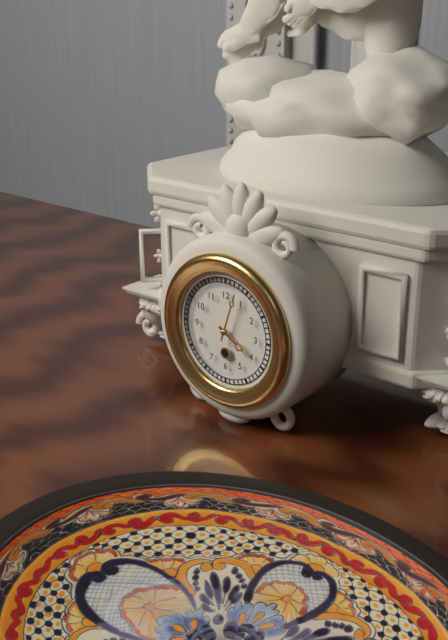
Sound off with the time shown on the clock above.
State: 4:03
